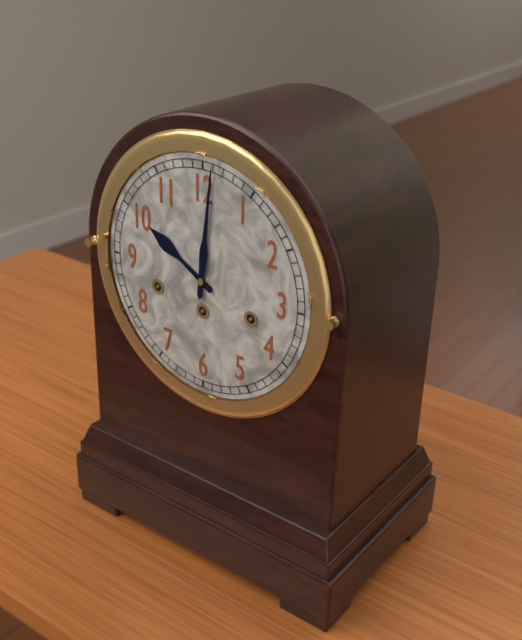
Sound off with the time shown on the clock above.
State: 10:01
